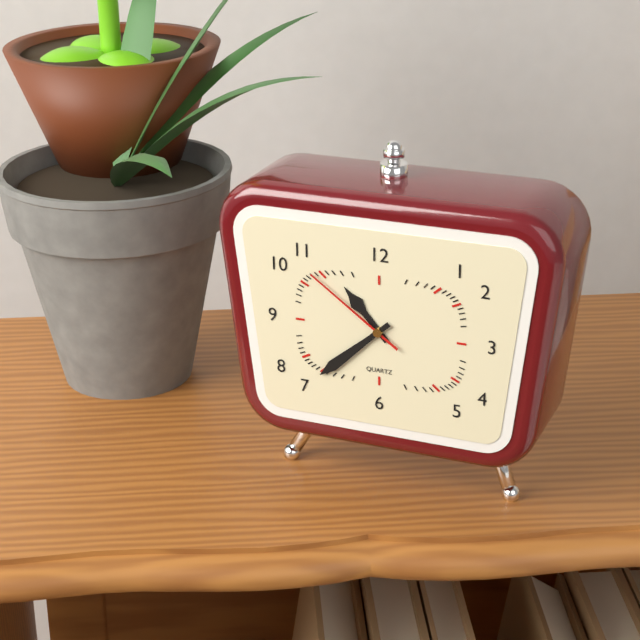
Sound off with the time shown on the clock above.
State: 10:38:51
